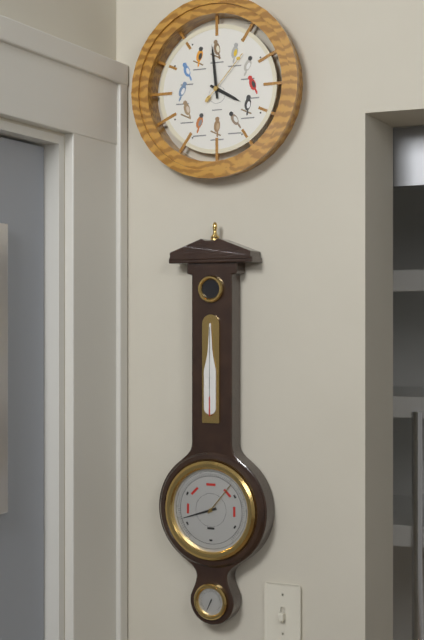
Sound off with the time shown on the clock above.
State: 3:59:07
